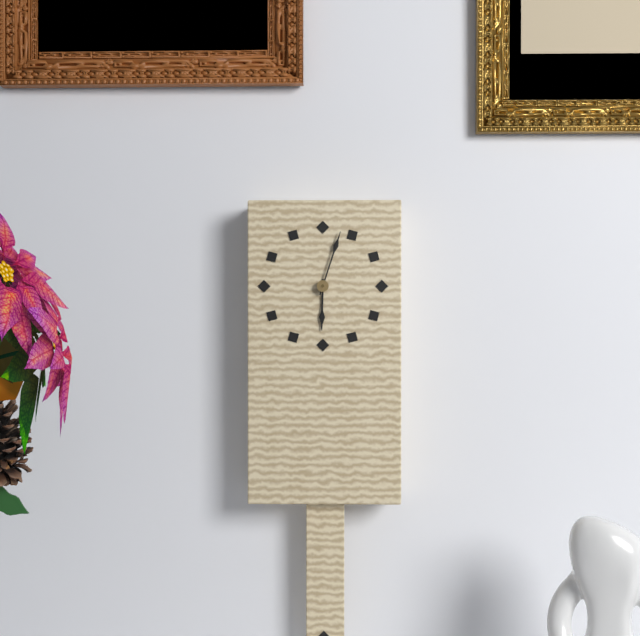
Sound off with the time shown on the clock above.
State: 6:03
